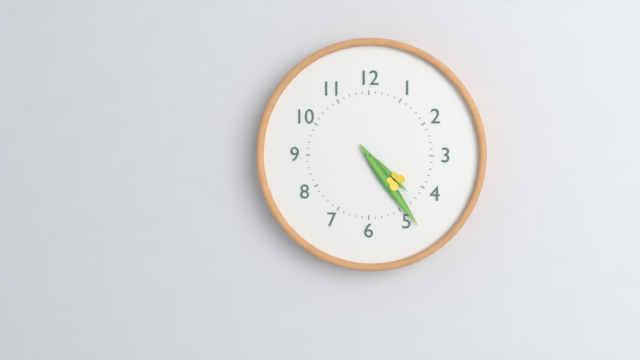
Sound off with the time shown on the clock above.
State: 4:24
